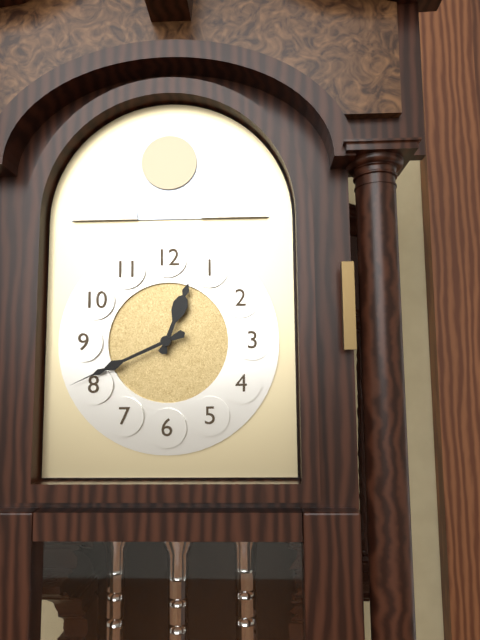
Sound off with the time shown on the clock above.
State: 12:41
